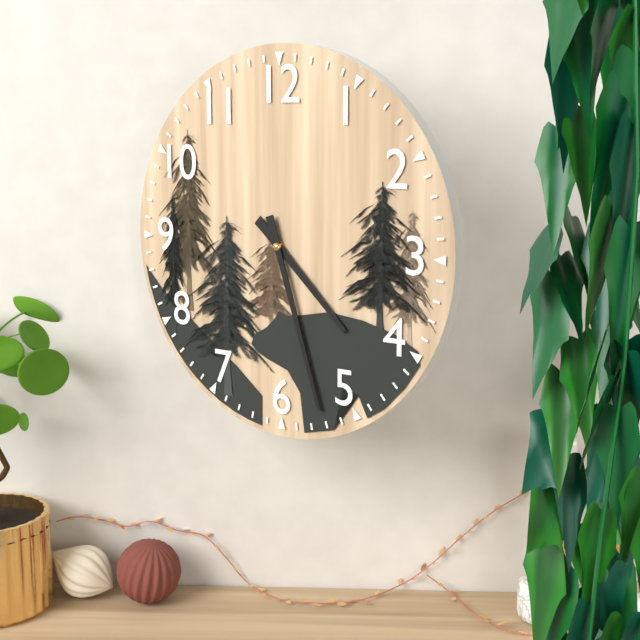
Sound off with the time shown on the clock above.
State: 4:27
